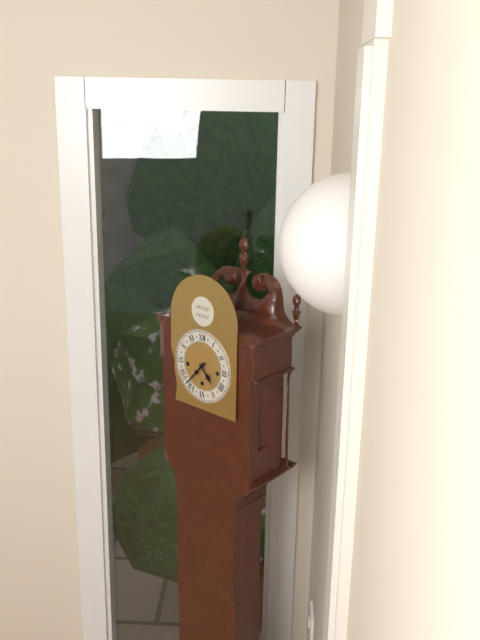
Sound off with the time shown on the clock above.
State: 4:37
